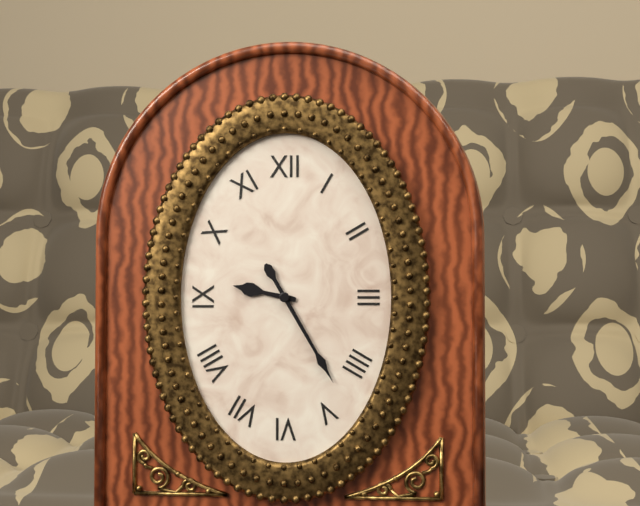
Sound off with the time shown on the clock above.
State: 9:25
